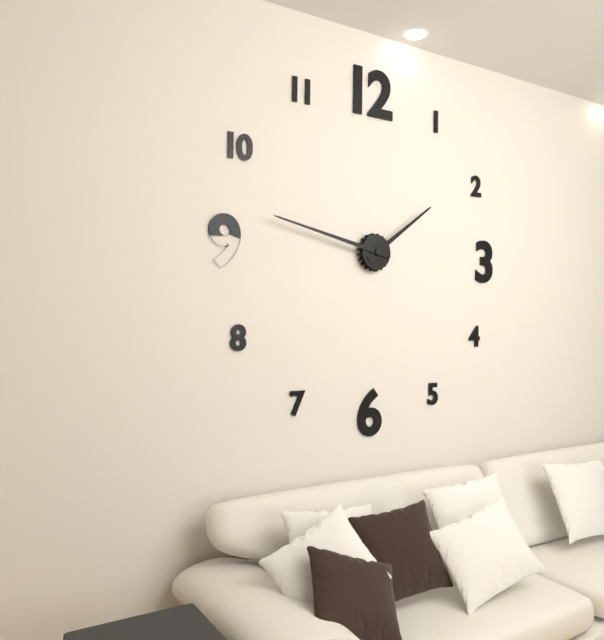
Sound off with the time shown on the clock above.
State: 1:47
